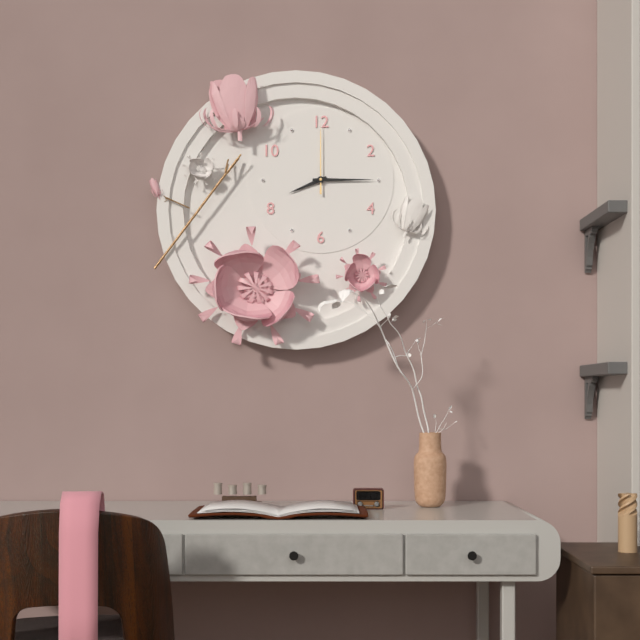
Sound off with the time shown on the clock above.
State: 8:15:00
